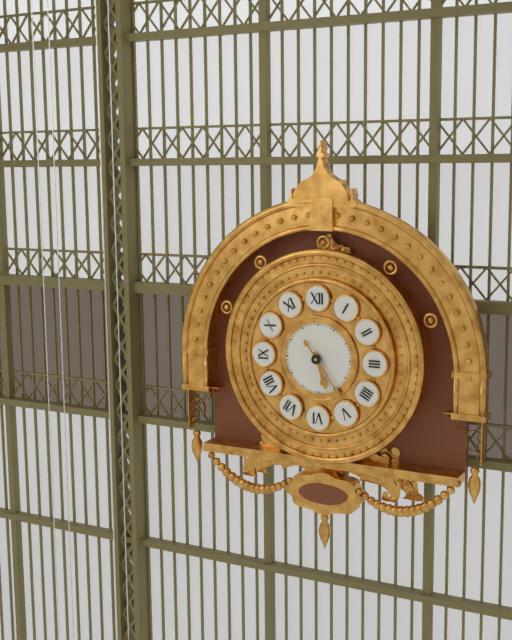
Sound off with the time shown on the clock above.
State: 5:24
